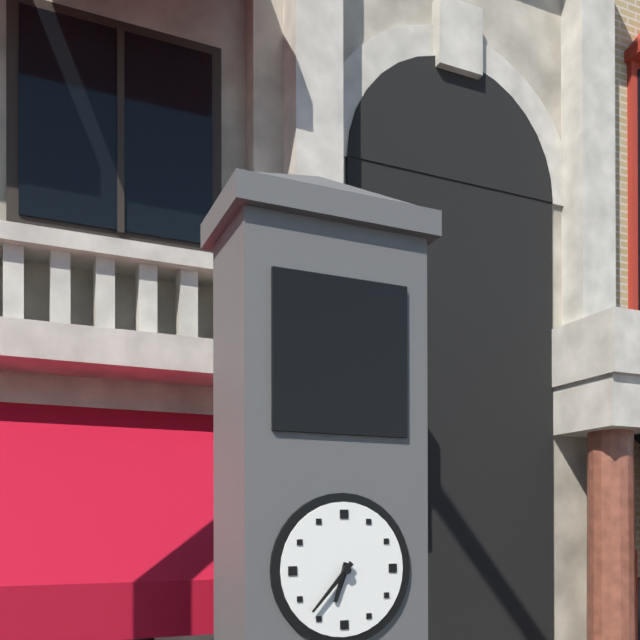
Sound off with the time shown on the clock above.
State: 6:37
